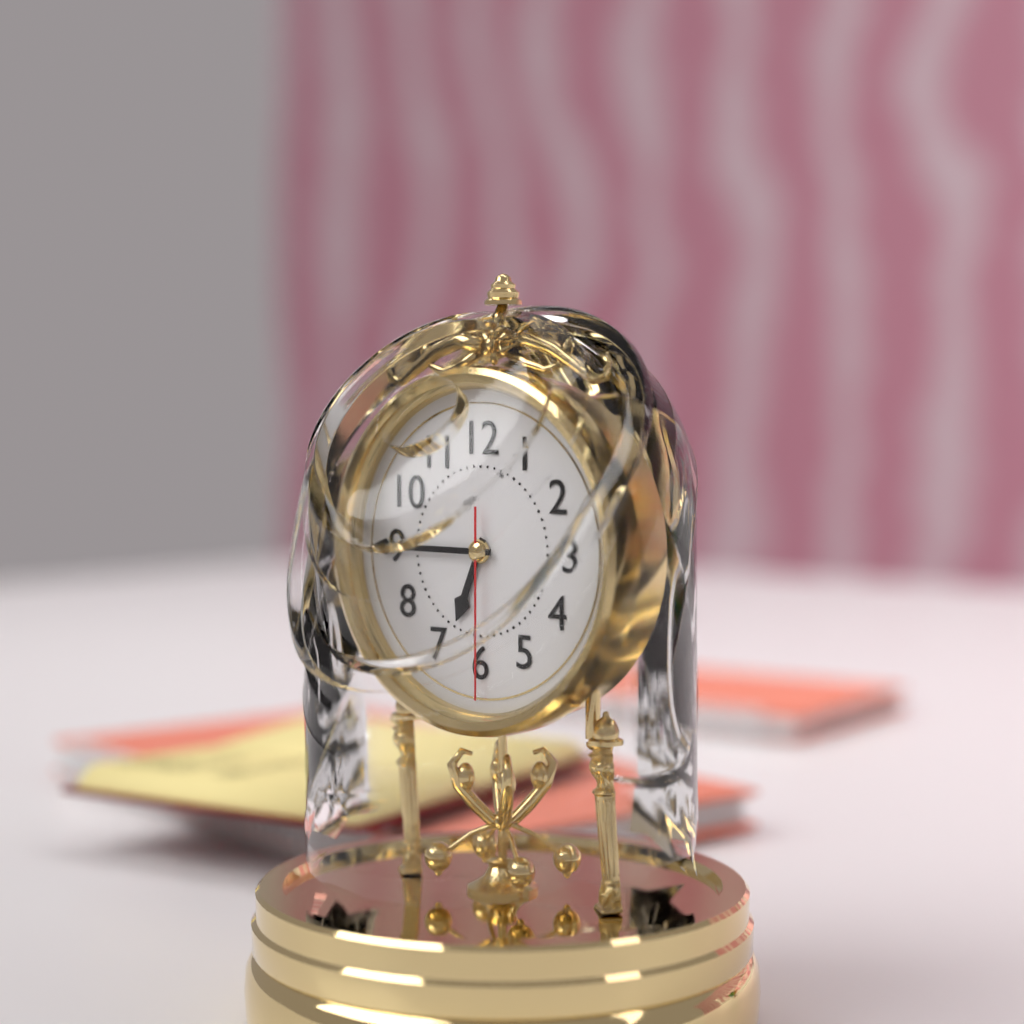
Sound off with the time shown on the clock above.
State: 6:45:30
